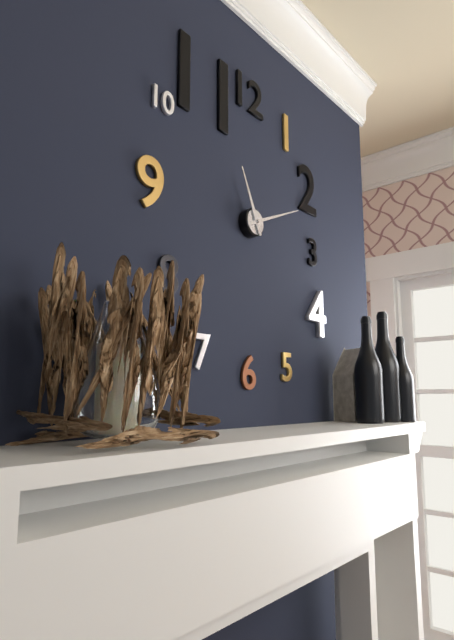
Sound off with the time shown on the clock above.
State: 11:11
